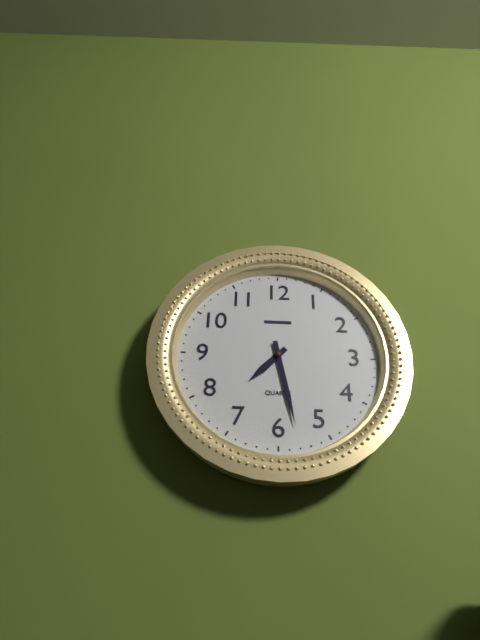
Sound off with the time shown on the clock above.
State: 7:28
